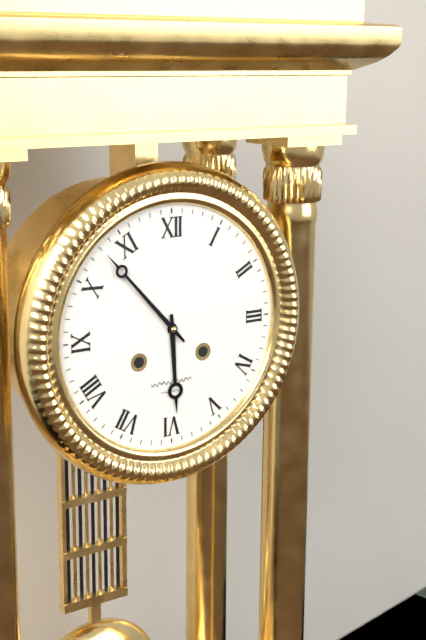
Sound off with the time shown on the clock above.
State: 5:53
